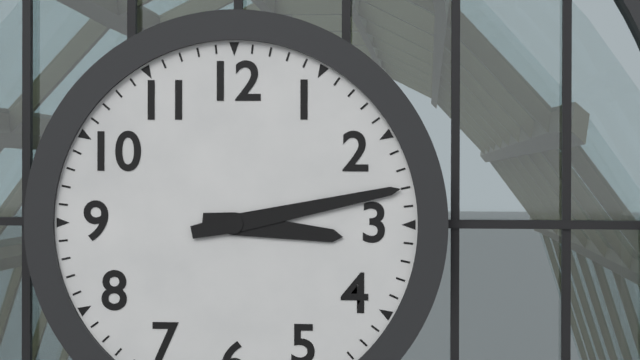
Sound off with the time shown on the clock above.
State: 3:13
